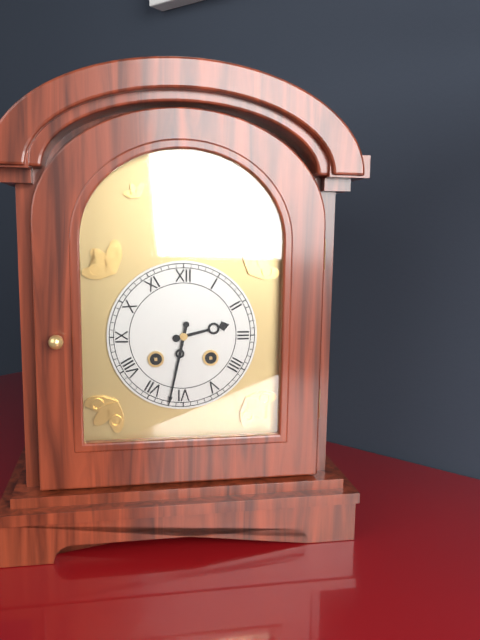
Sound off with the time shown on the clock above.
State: 2:32
